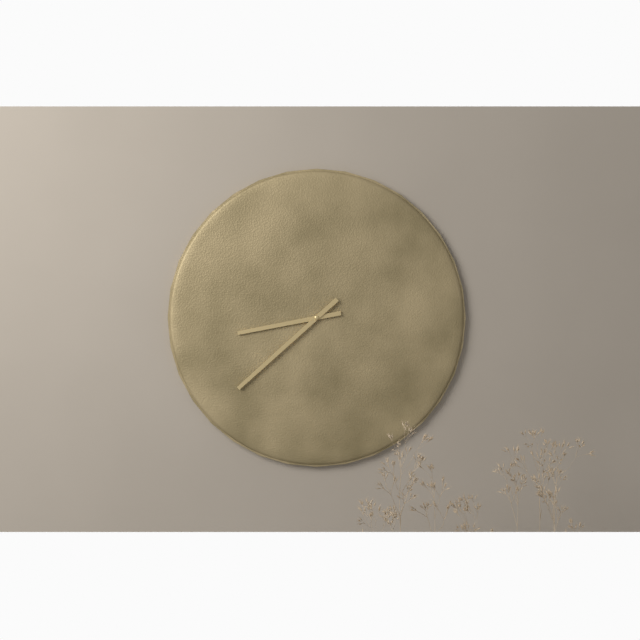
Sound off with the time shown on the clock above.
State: 8:38
